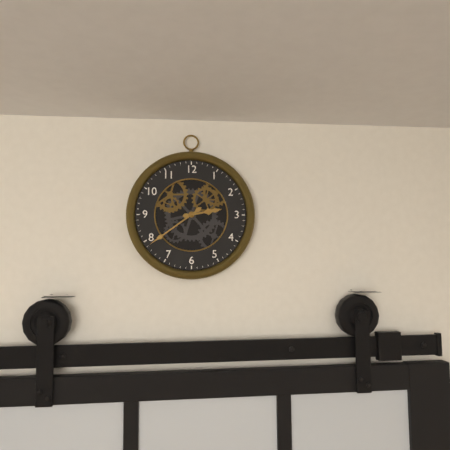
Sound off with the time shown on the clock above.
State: 2:39
